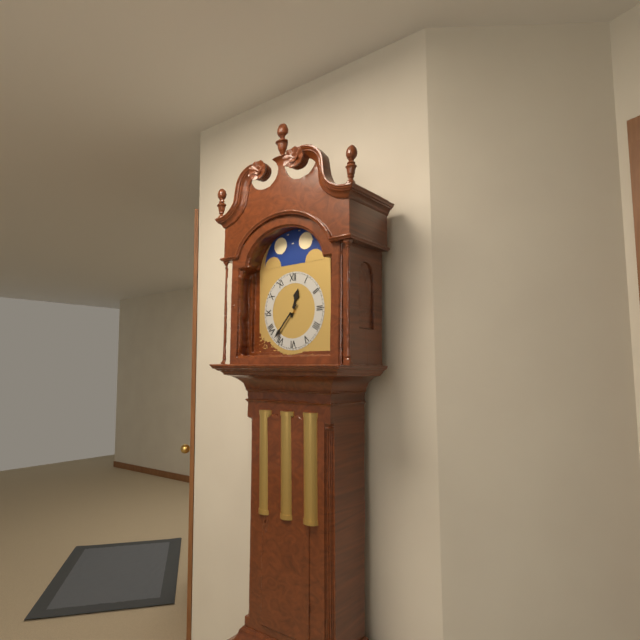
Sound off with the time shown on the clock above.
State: 12:37
